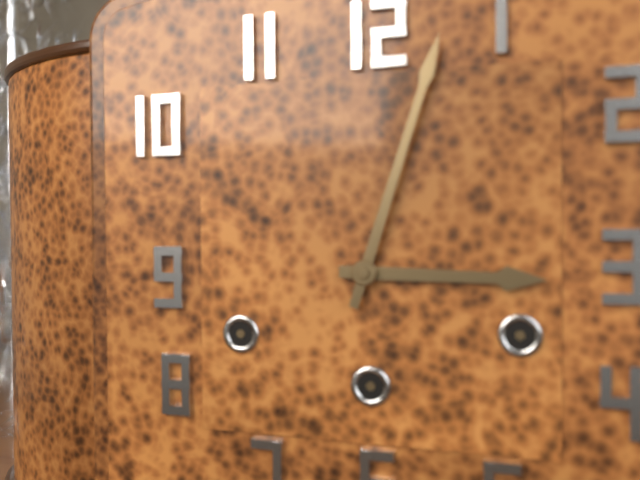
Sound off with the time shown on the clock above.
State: 3:03
